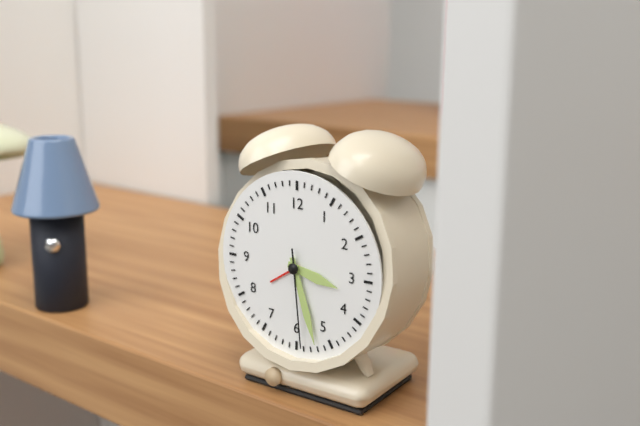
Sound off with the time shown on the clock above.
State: 3:27:29
